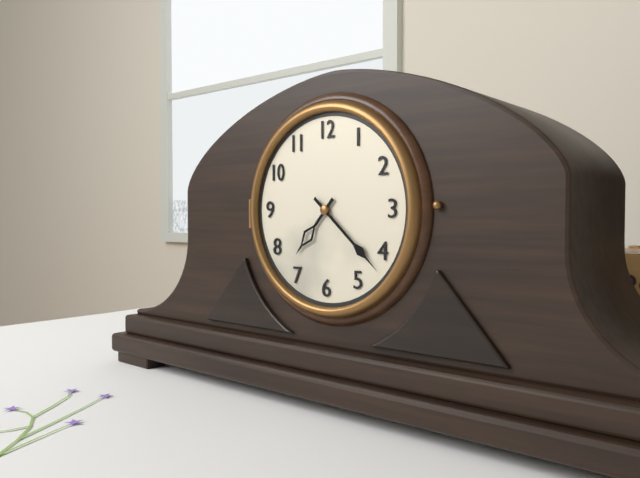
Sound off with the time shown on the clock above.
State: 7:22
